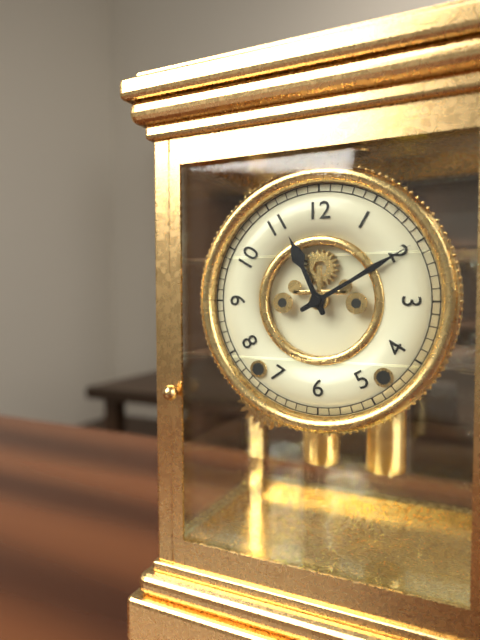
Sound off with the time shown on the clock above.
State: 11:10
